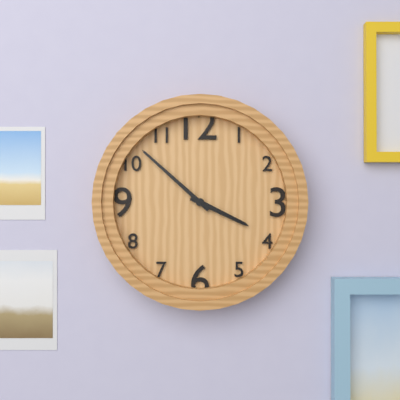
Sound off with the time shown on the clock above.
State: 3:52
